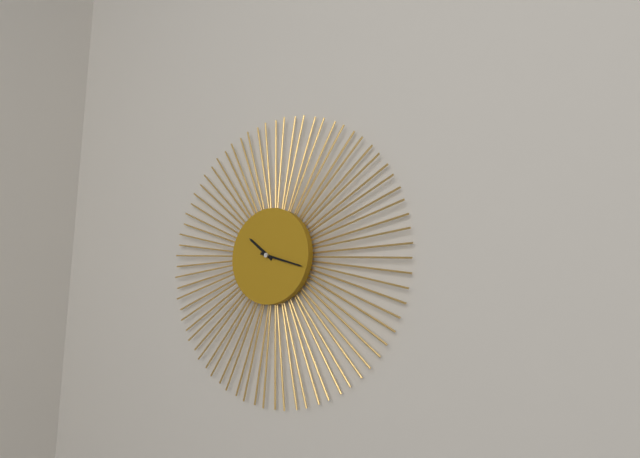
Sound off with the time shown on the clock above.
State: 10:18
